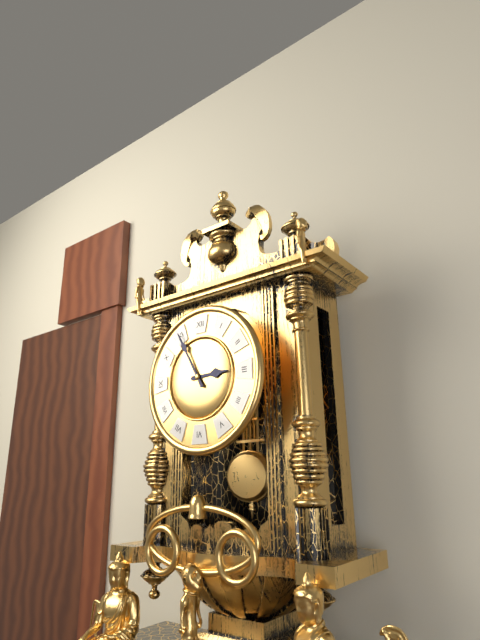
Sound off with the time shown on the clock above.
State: 2:55
